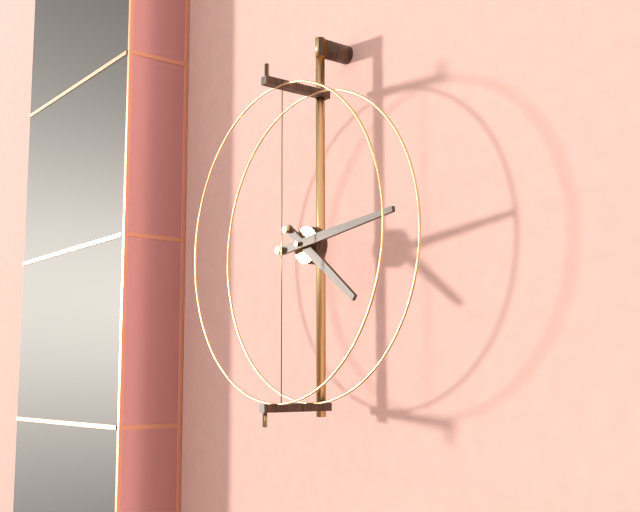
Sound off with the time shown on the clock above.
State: 4:14
